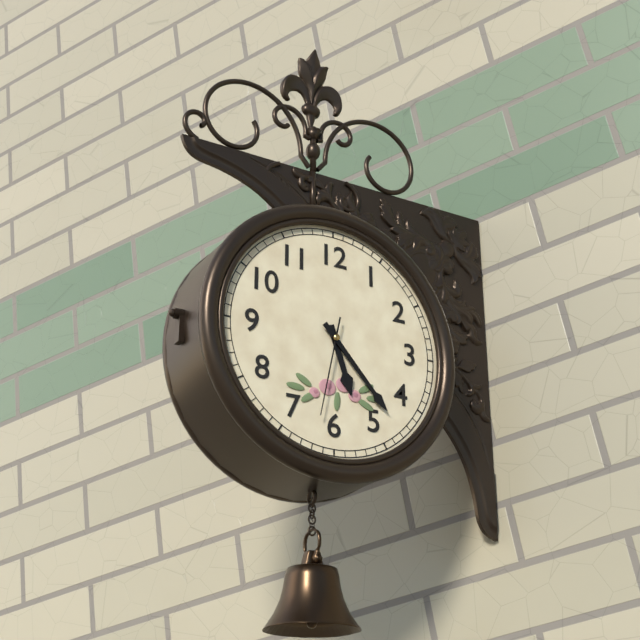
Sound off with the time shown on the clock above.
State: 5:23:32
